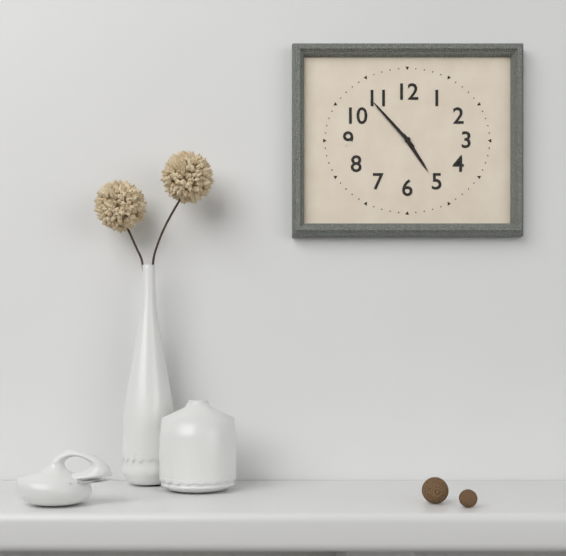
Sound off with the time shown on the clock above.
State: 4:53
